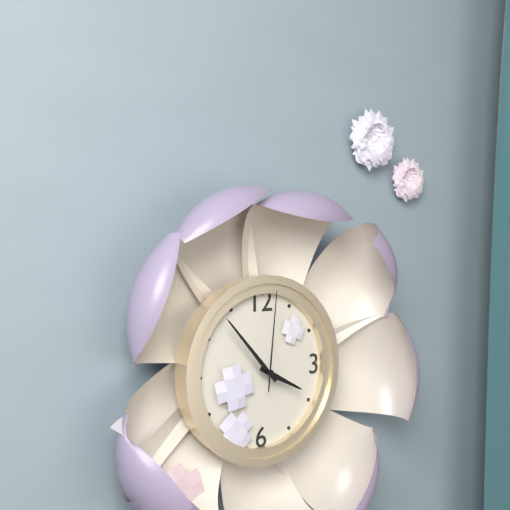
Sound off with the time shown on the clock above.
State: 3:53:01
